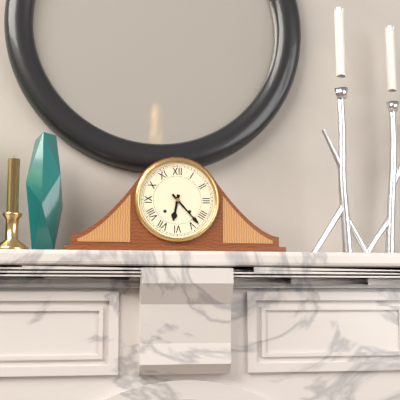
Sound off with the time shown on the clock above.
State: 6:23
